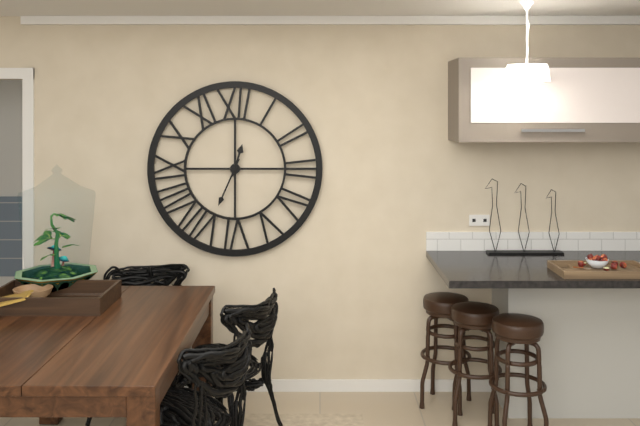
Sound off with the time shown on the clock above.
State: 12:34
